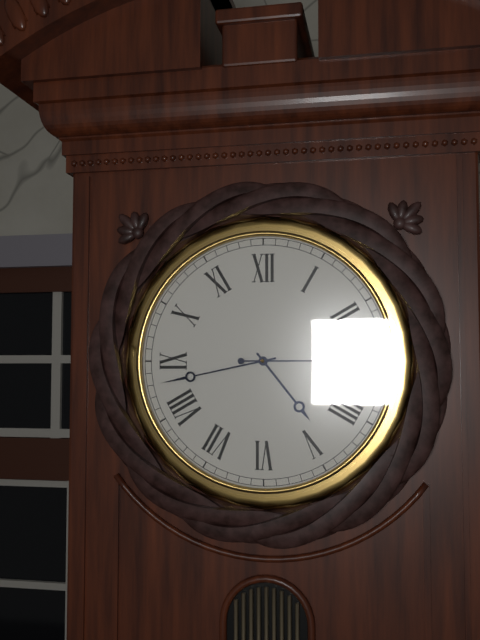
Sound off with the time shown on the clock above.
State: 4:43:15
